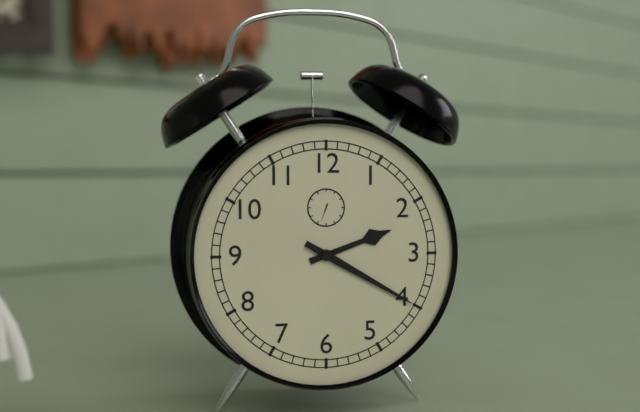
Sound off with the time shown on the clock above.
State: 2:20
